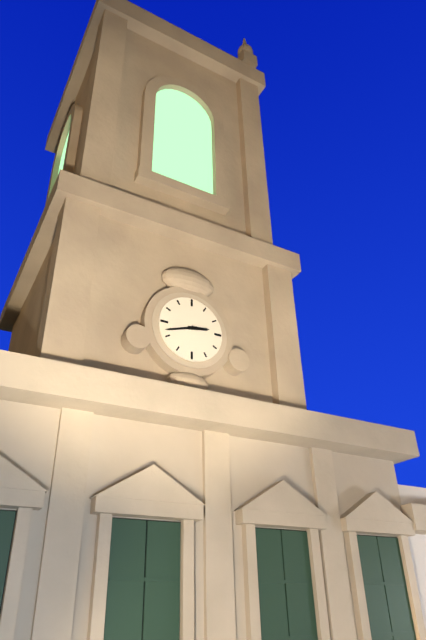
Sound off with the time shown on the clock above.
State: 2:42
